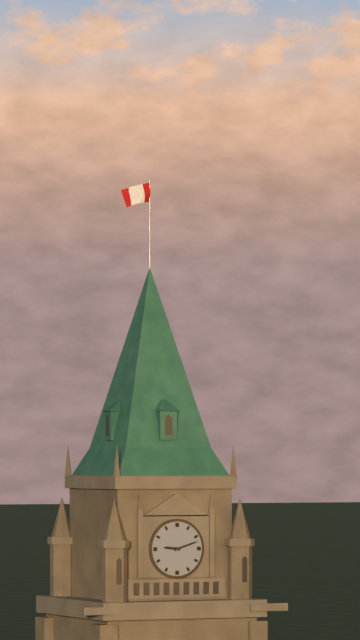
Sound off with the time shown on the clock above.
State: 9:12
